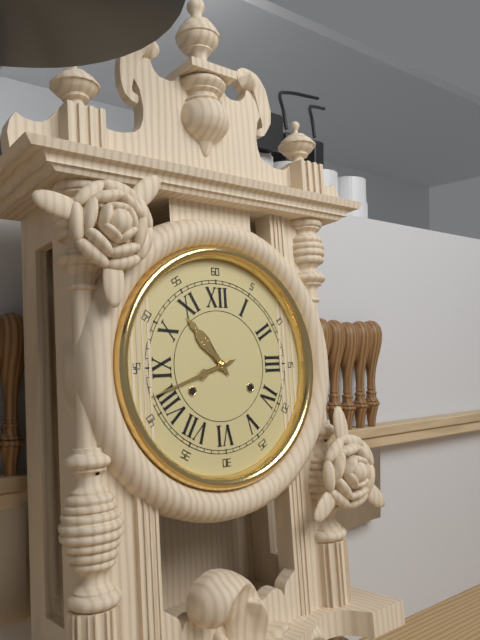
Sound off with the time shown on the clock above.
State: 10:42
